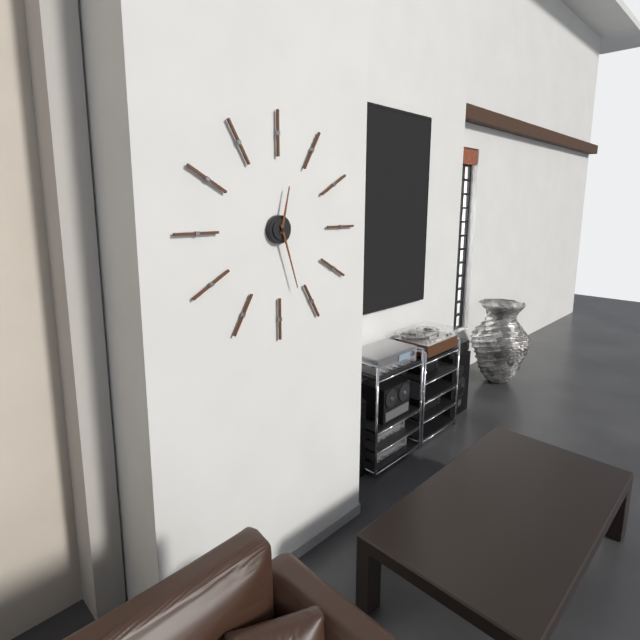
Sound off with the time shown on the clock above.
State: 12:27
